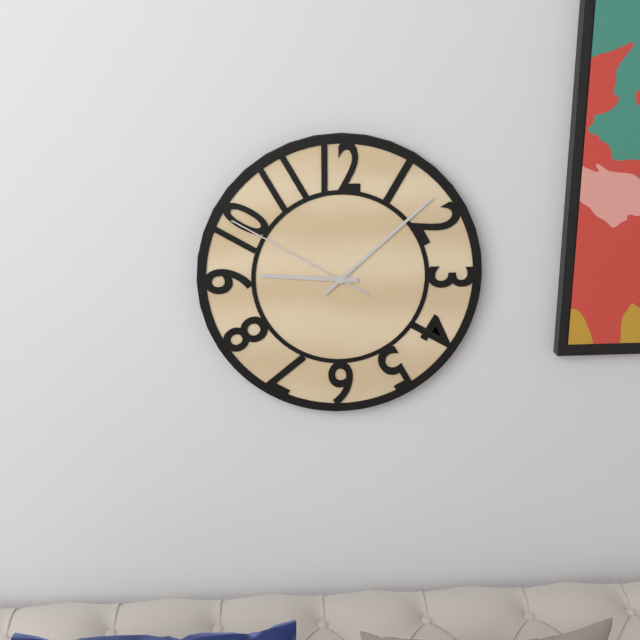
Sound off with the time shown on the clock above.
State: 9:08:50
